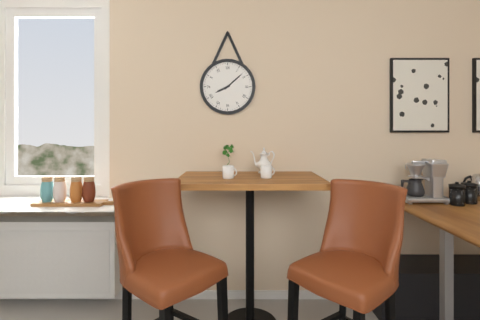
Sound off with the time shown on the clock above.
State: 8:08
